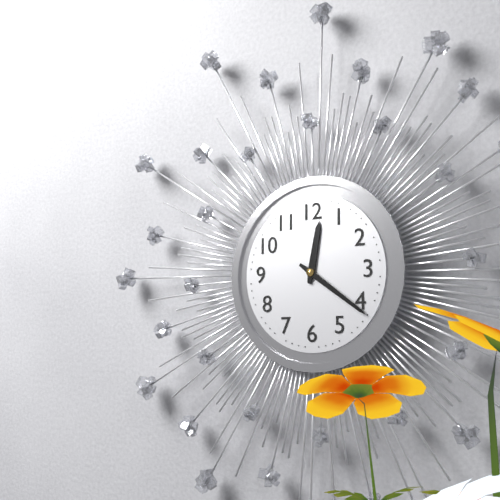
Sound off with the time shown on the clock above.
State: 12:21
